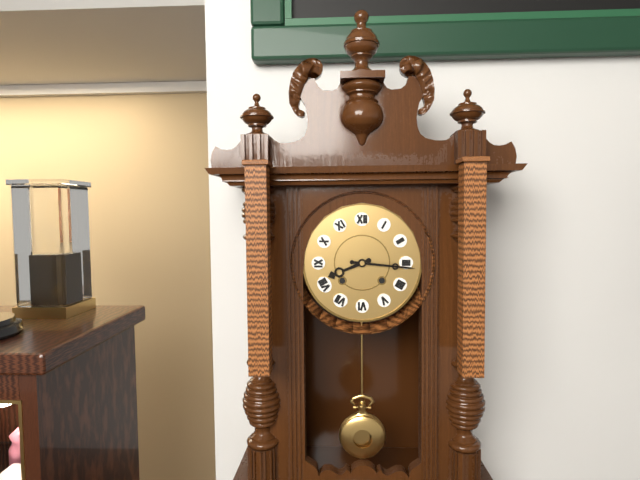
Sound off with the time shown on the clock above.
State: 8:16
